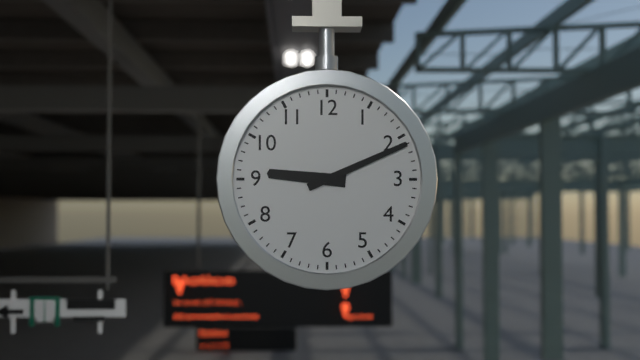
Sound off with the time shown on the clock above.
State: 9:11
